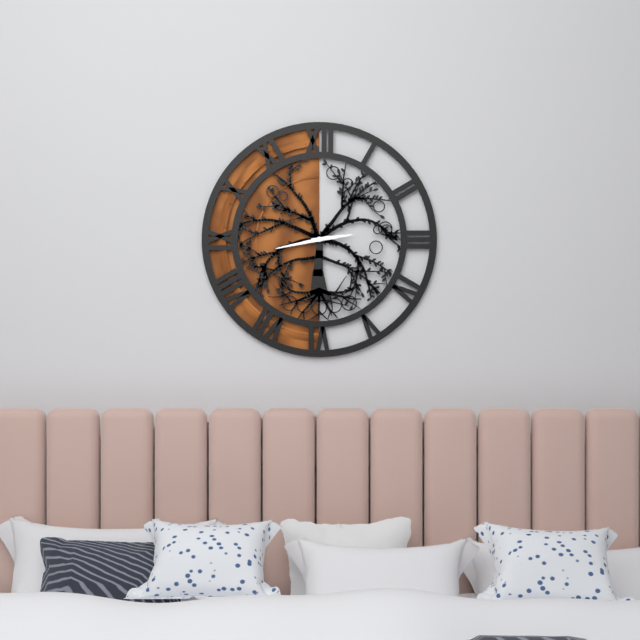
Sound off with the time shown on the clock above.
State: 2:43
